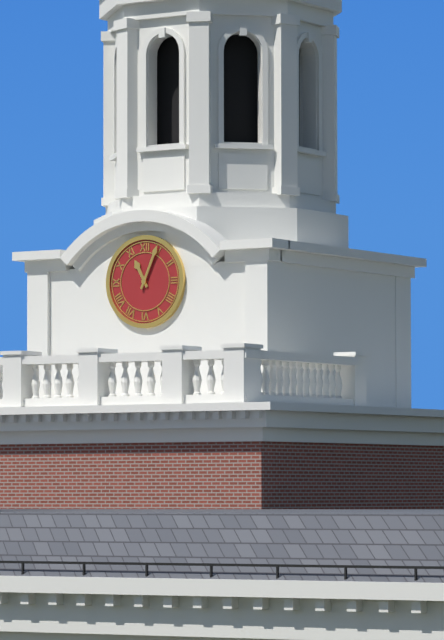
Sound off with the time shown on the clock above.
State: 11:04
